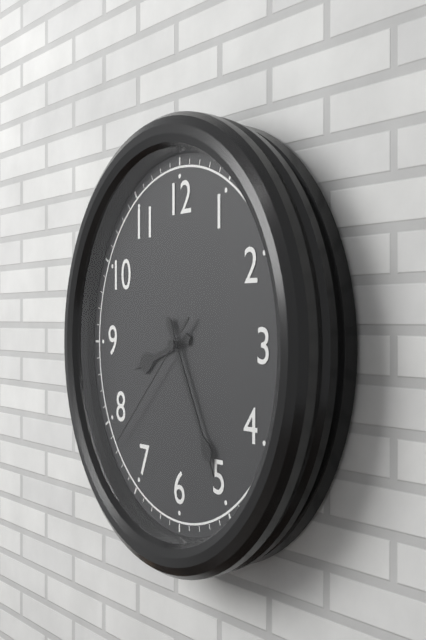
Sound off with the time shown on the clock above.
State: 8:25:38
